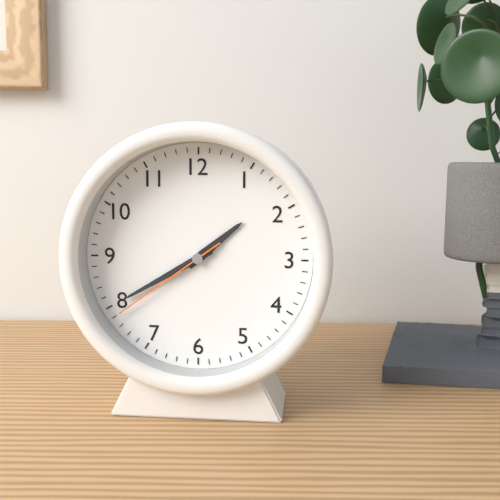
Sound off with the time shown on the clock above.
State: 1:40:39
